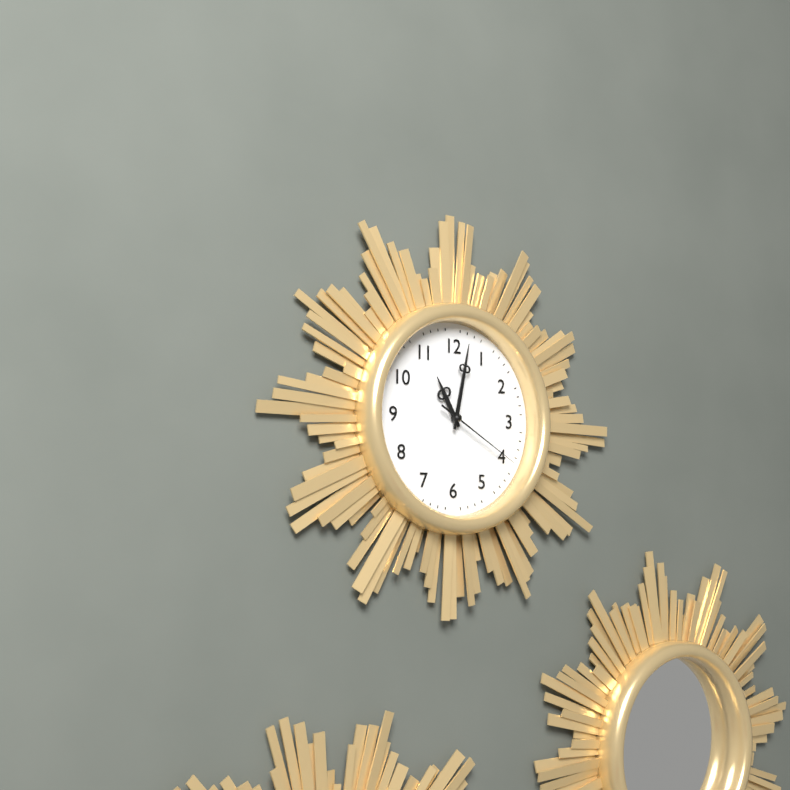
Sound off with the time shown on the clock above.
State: 11:02:20
